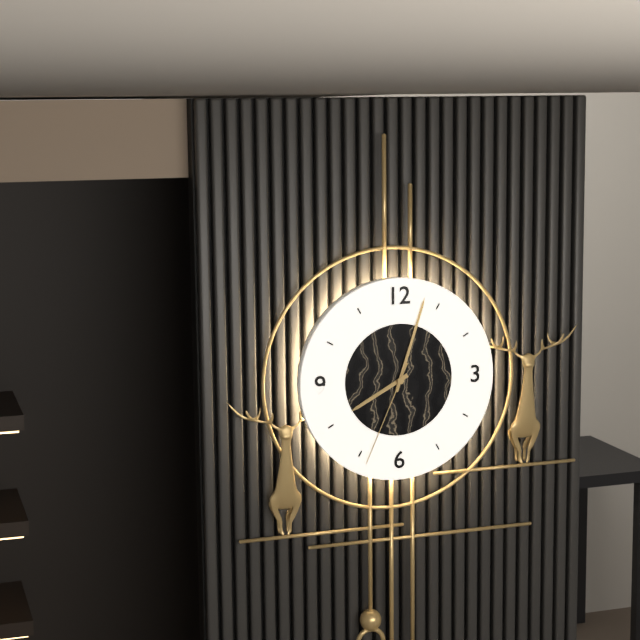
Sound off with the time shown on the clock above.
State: 8:03:34
